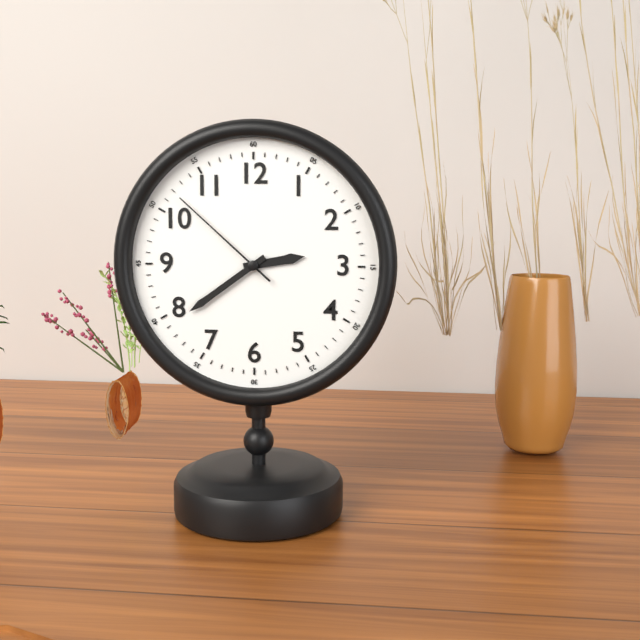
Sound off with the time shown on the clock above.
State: 2:39:52
